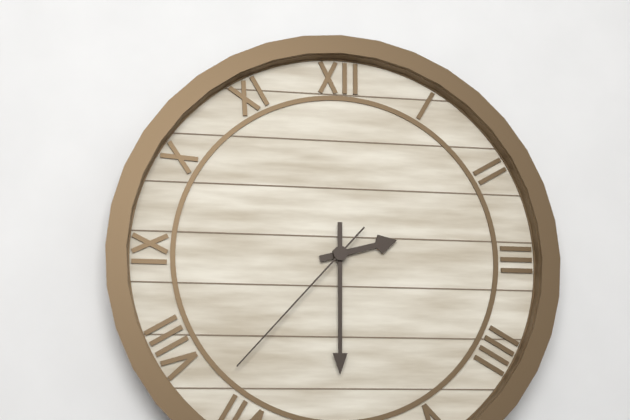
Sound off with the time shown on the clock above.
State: 2:30:37
